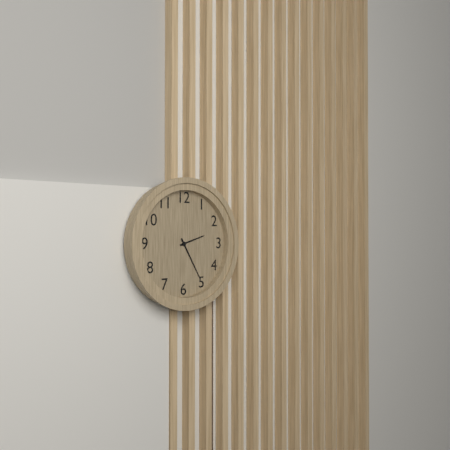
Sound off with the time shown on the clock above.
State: 2:25
